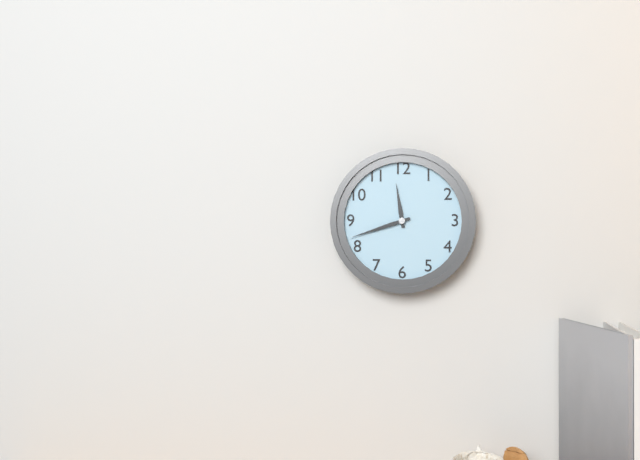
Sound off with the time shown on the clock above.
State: 11:42
